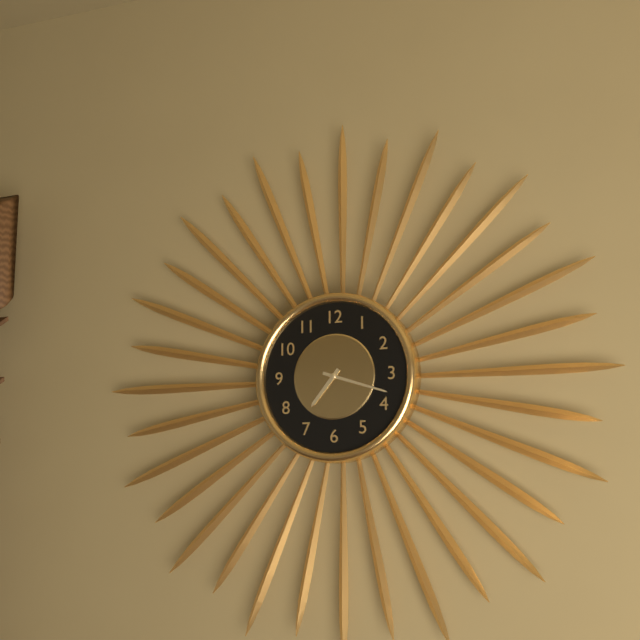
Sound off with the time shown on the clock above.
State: 7:18
